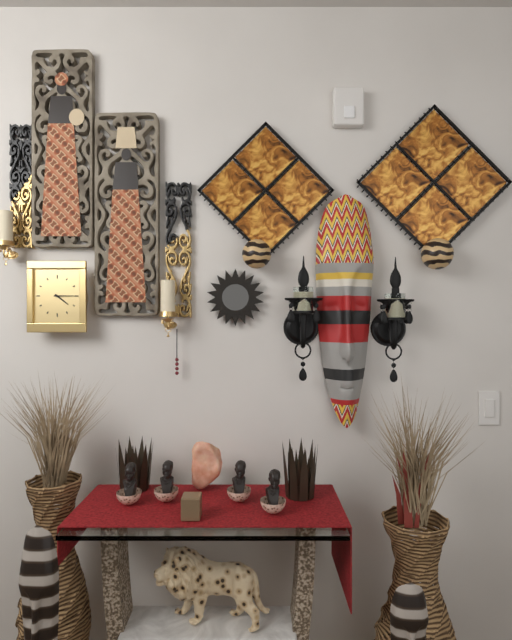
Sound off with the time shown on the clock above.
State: 4:15
